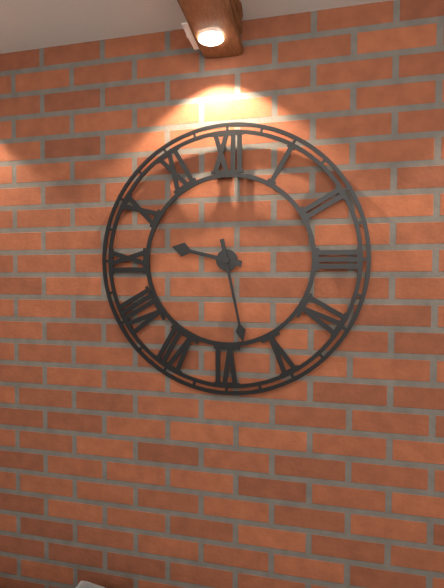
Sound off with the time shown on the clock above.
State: 9:28
